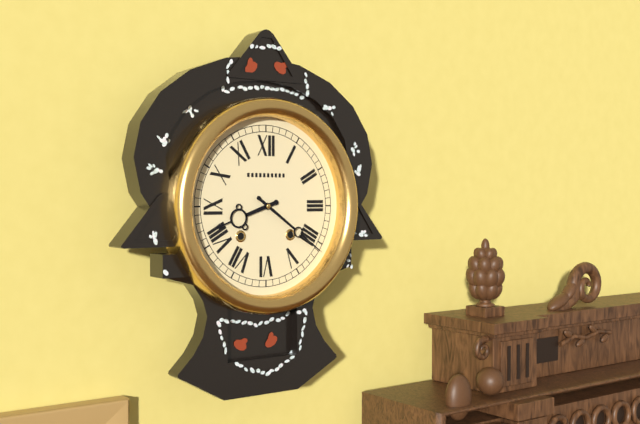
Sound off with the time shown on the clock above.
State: 8:21
